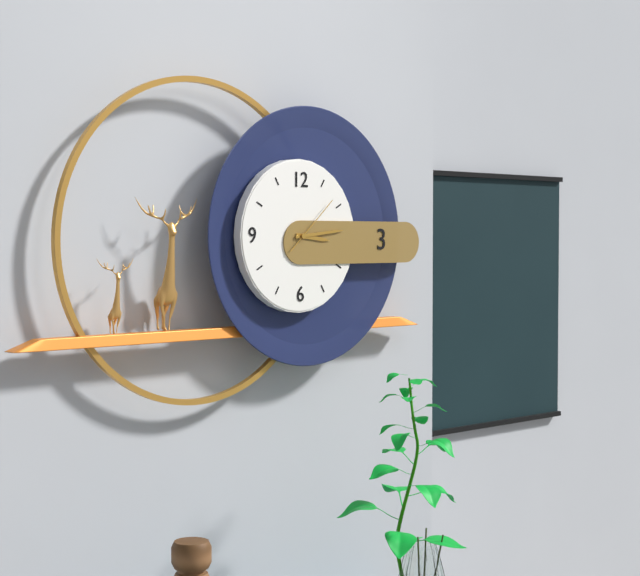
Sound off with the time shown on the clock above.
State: 3:14:08
